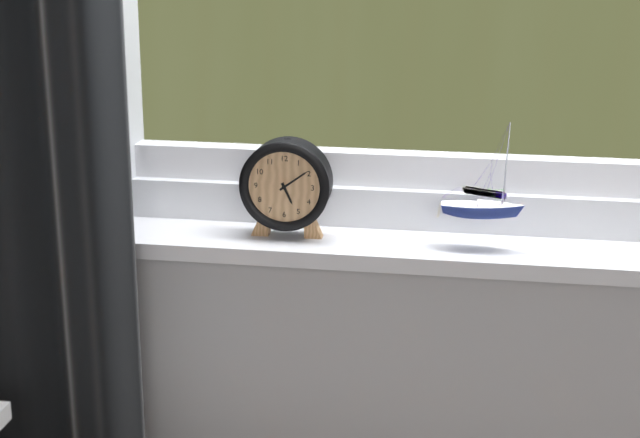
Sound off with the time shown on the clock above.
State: 5:09
